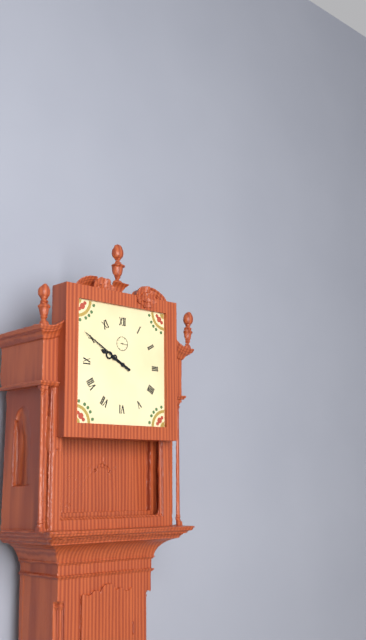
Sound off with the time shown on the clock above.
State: 9:50
